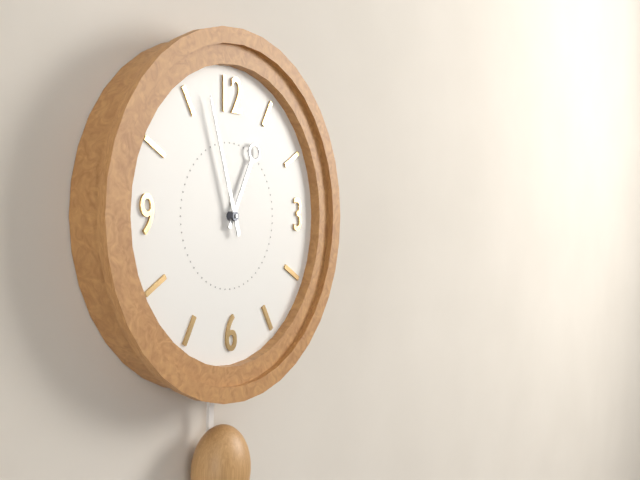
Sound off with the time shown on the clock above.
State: 12:57
